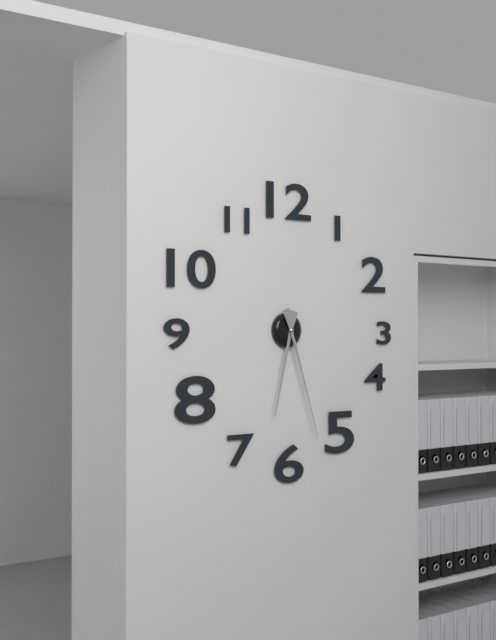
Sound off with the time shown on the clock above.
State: 6:27
